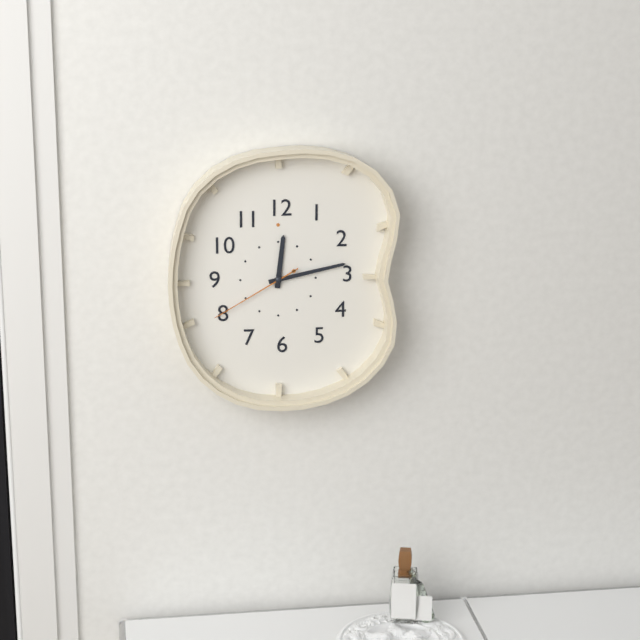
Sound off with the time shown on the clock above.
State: 12:13:40
